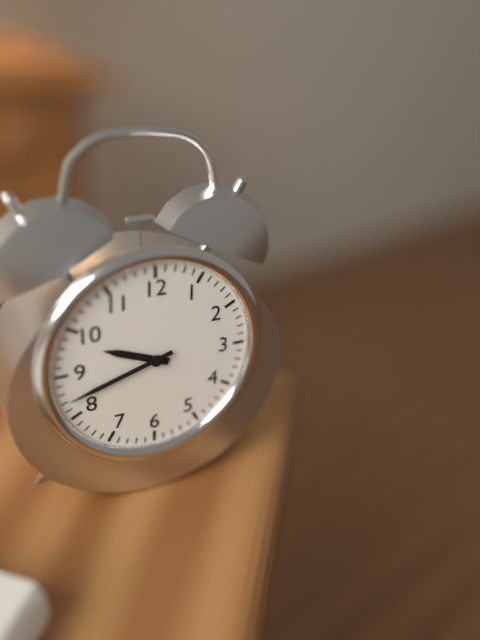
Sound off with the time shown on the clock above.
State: 9:42
